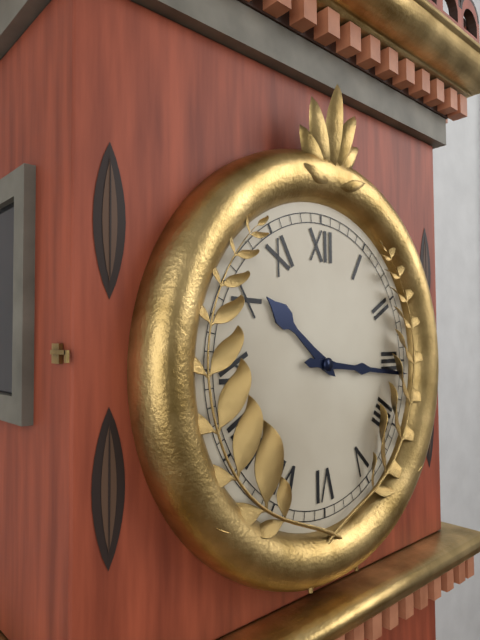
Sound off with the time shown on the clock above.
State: 10:16
